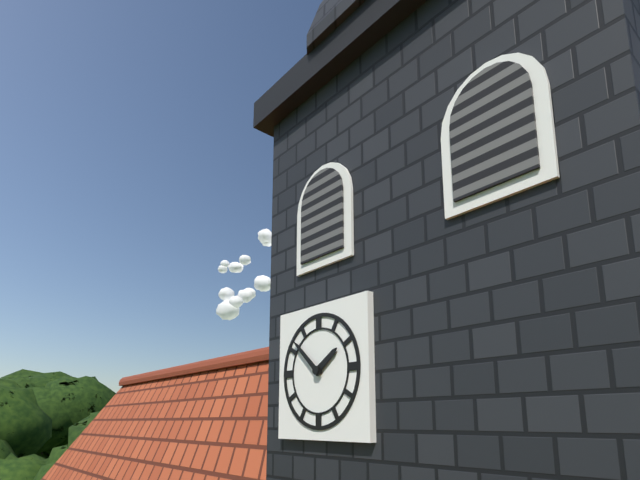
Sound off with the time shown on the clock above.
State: 1:52
